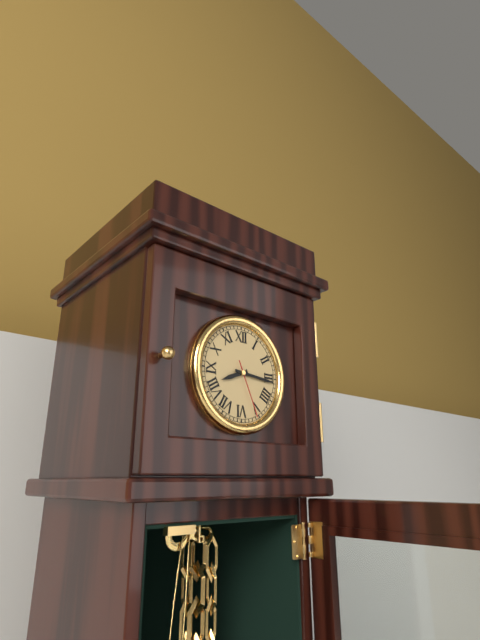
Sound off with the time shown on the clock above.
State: 8:16:26
